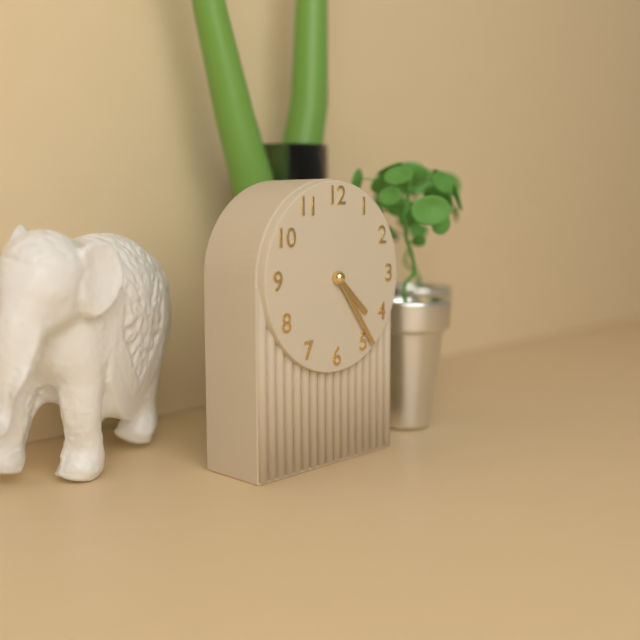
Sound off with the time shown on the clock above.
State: 4:24
